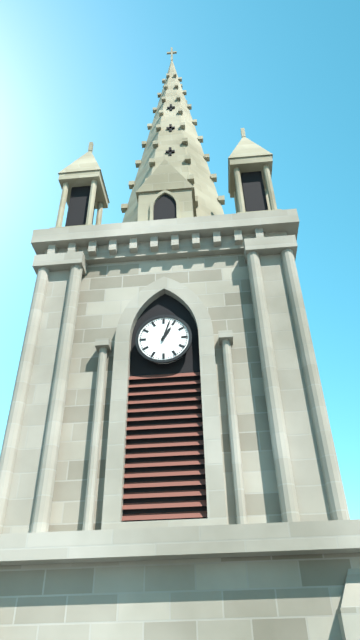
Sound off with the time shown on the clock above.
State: 1:03
